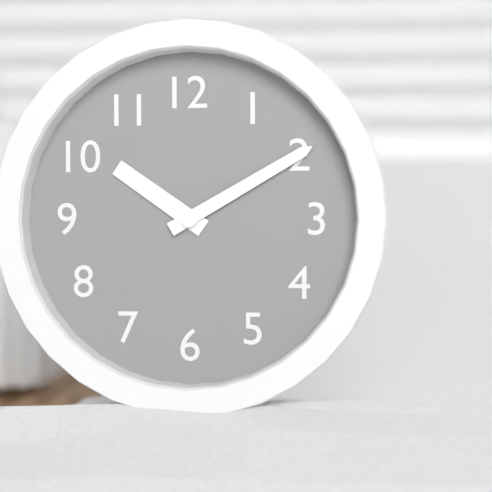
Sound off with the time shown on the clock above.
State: 10:10
